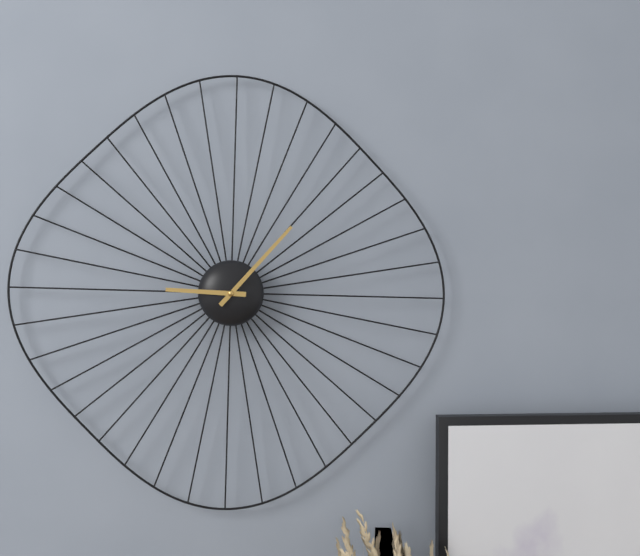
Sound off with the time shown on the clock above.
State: 9:07
